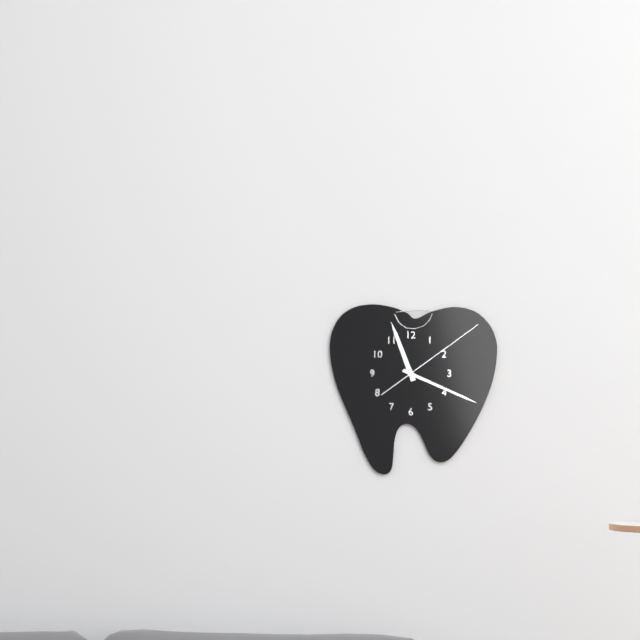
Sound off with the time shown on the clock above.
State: 11:19:09
